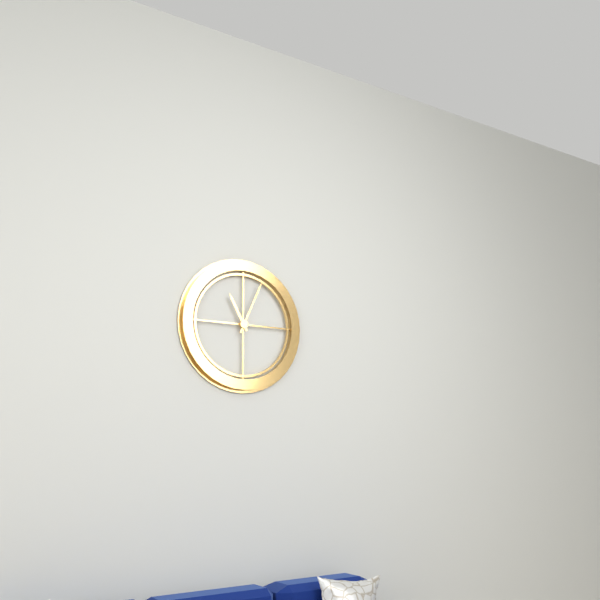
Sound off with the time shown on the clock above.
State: 11:04
